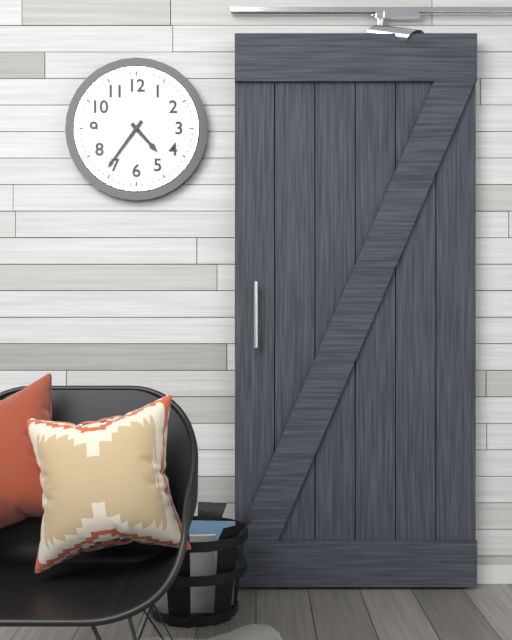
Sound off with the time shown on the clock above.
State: 4:36
